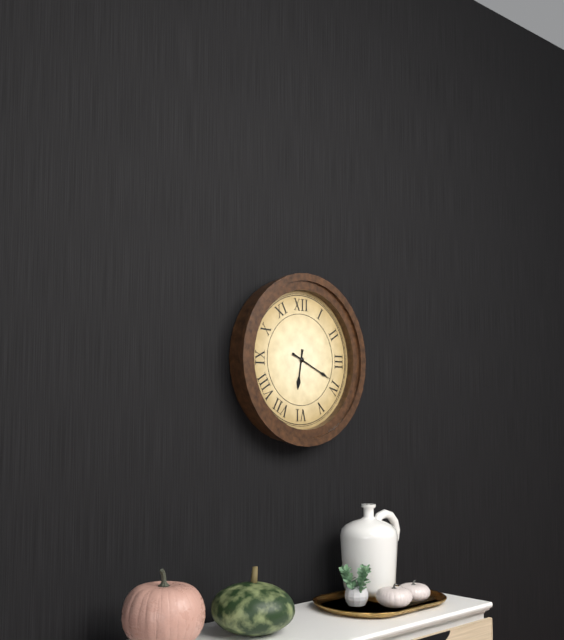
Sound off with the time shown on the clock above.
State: 6:19
